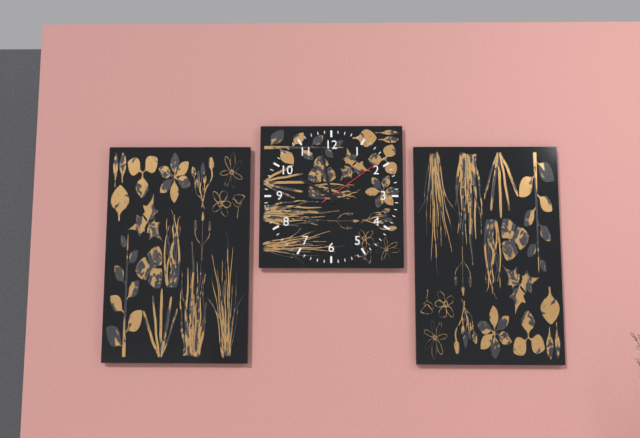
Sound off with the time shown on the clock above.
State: 9:58:09
